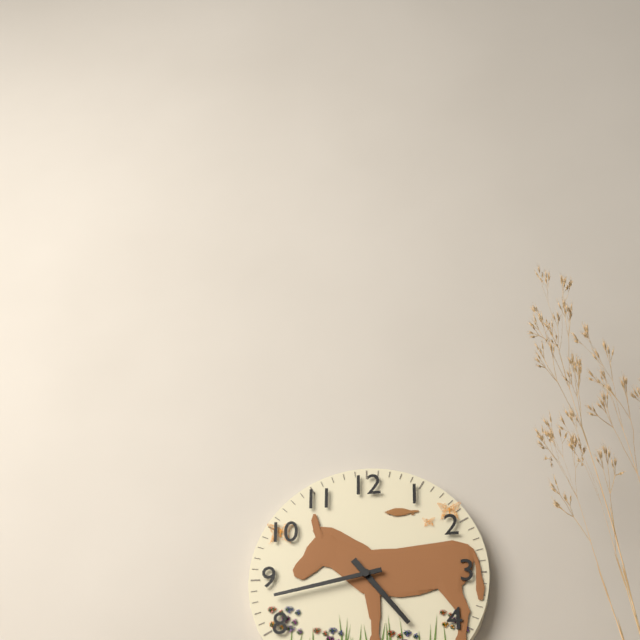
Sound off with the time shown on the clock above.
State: 4:43
